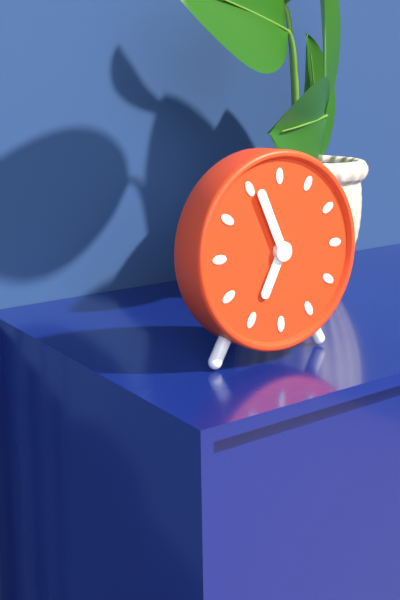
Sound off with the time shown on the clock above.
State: 6:56
